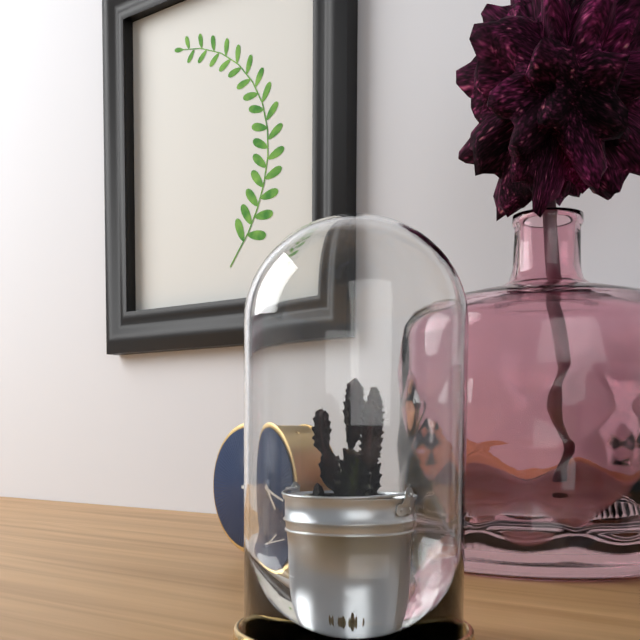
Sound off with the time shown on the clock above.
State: 4:17
